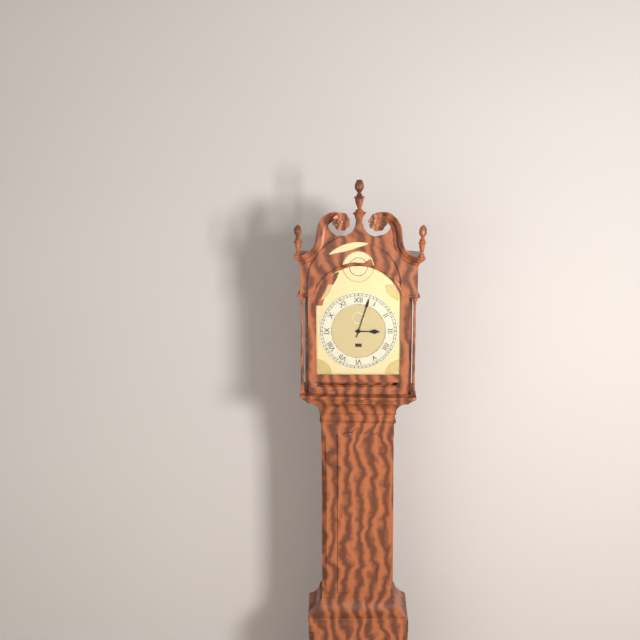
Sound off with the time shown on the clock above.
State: 3:03
